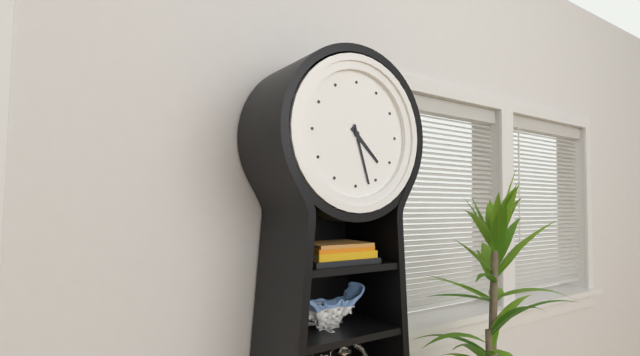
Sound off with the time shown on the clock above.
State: 4:27
